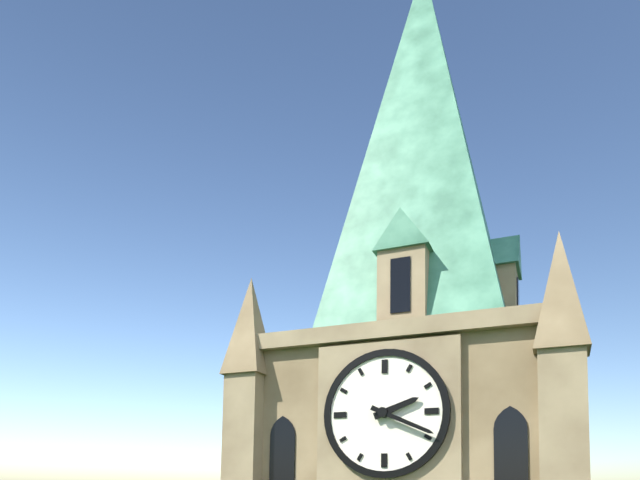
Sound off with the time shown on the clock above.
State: 2:19
